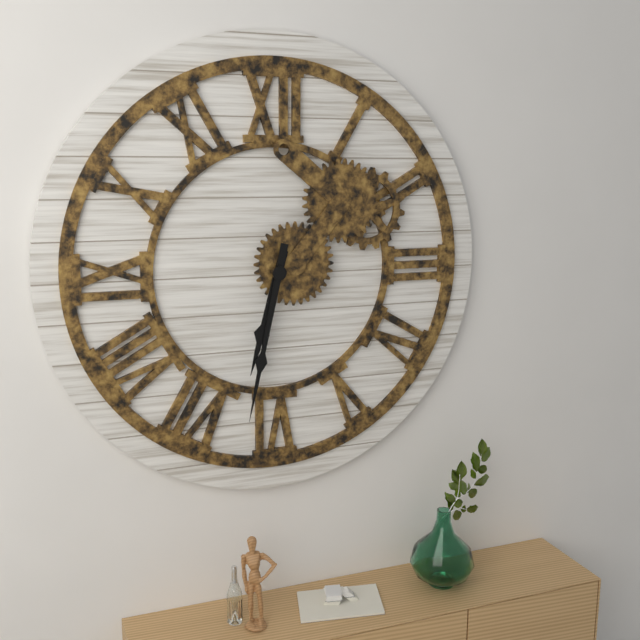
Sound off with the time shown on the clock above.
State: 6:32
